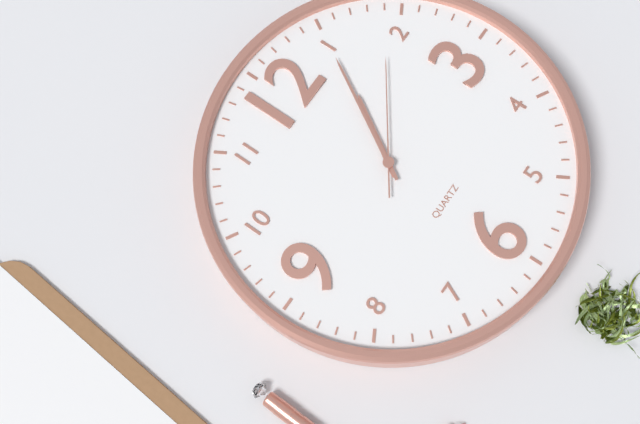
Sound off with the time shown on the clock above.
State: 1:05:09
